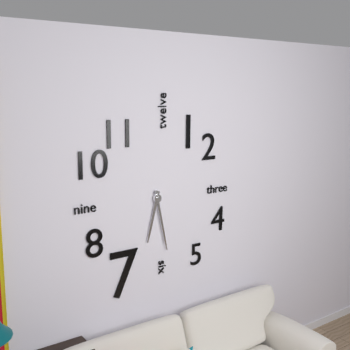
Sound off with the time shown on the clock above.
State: 6:28
